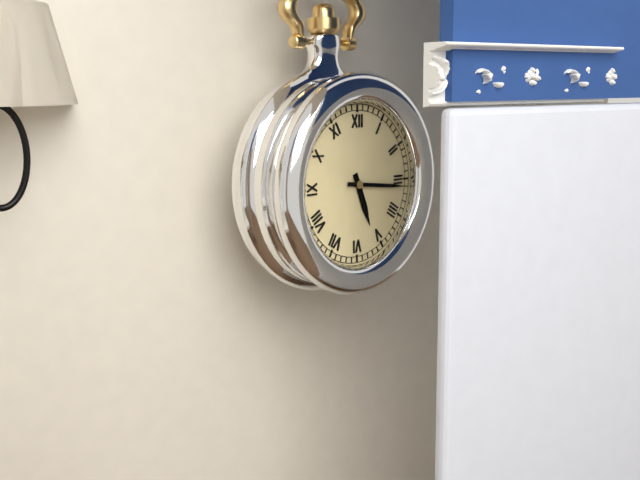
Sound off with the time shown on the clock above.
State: 5:16
